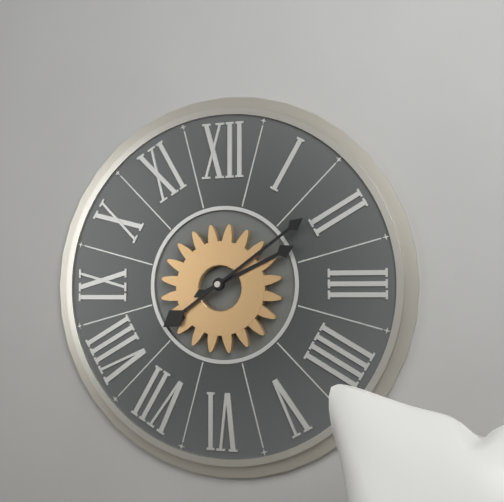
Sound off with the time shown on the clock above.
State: 2:09
